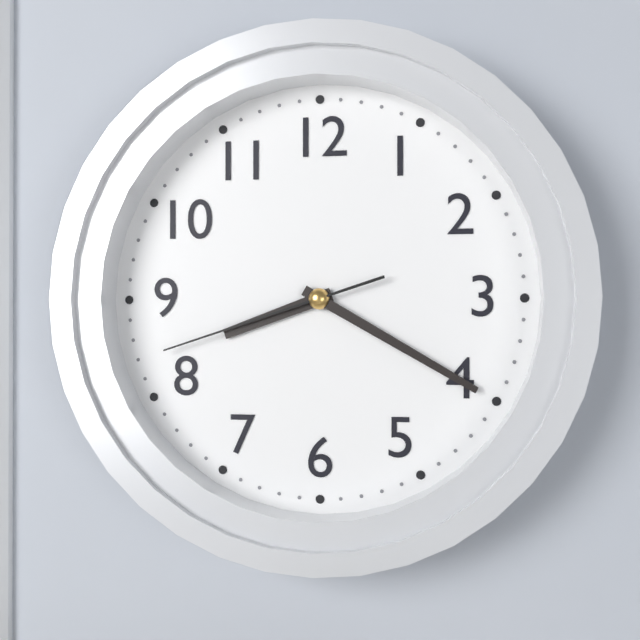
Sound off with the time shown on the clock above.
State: 8:20:42
